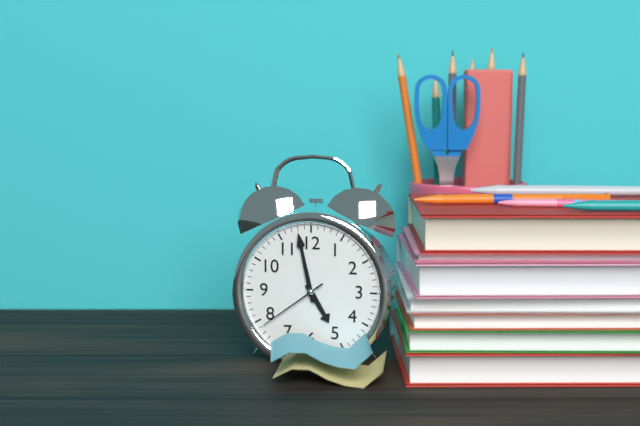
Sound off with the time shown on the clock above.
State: 4:58:39
